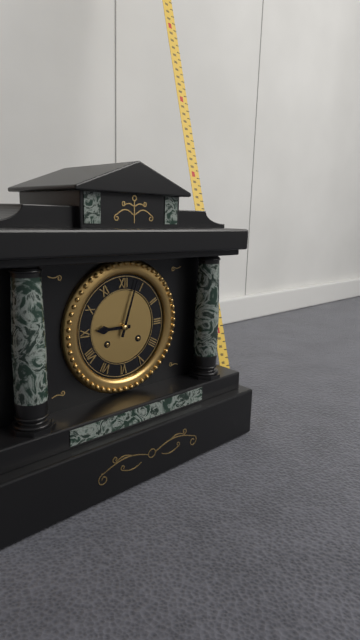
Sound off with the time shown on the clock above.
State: 9:03
